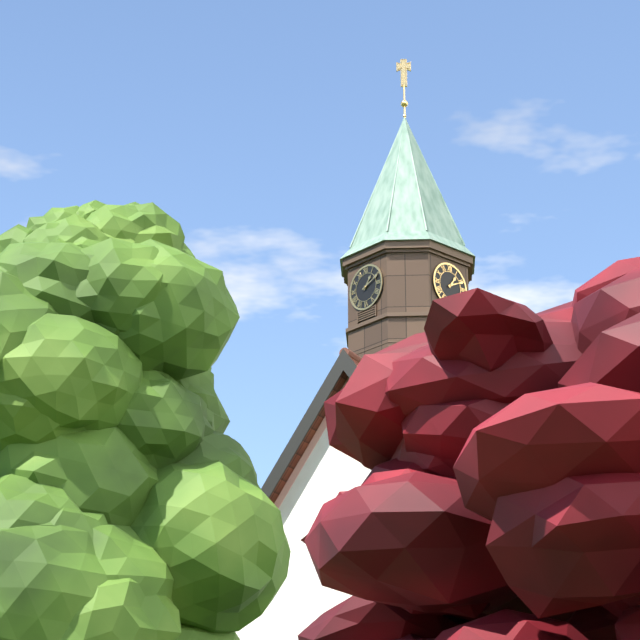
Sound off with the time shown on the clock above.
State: 1:11
